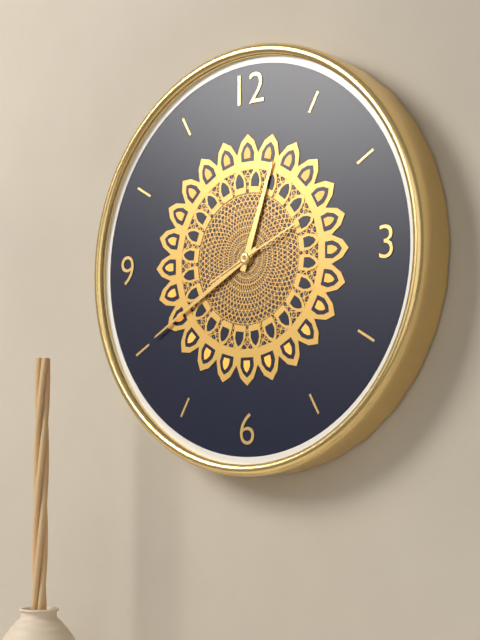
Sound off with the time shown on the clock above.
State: 12:40:11
